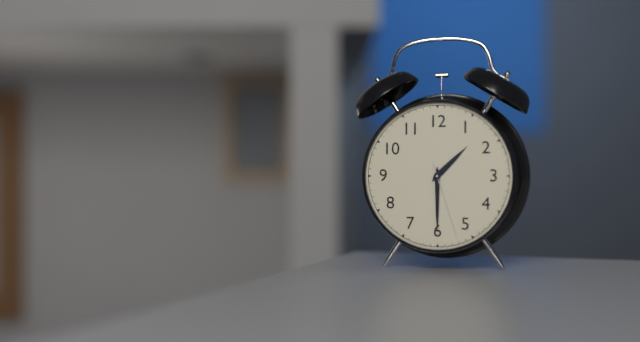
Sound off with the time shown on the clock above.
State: 1:30:27
